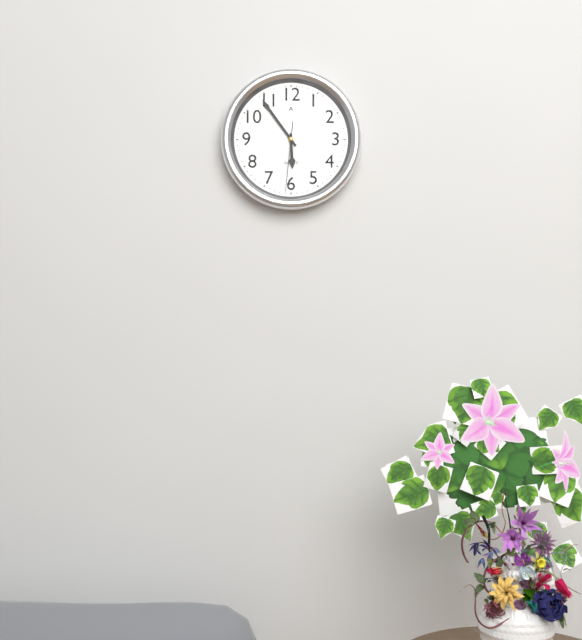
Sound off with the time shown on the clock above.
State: 5:54:31
